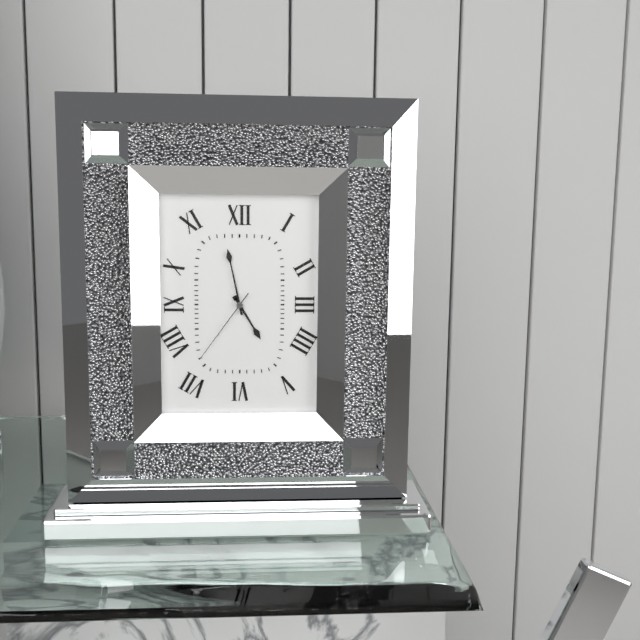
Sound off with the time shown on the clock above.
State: 4:58:36
